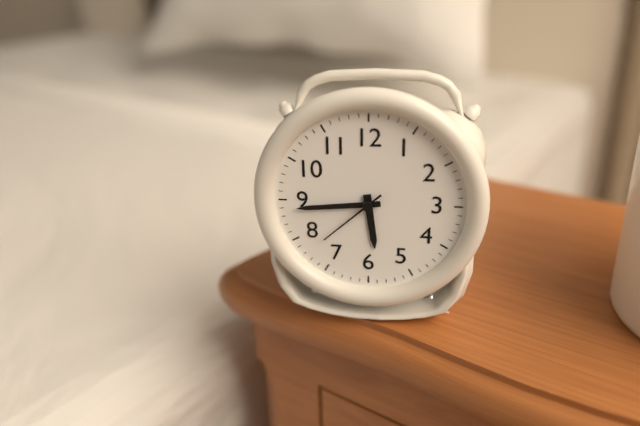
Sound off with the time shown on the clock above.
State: 5:44:38
